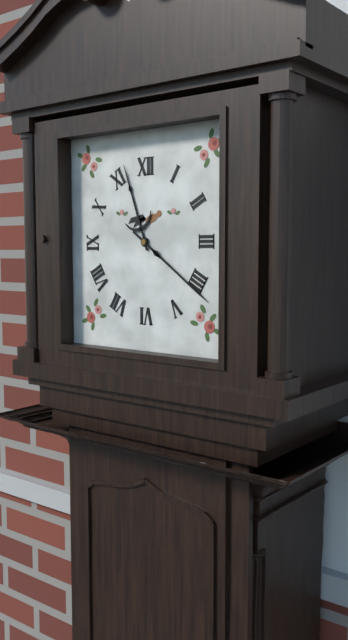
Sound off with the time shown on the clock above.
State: 11:21
